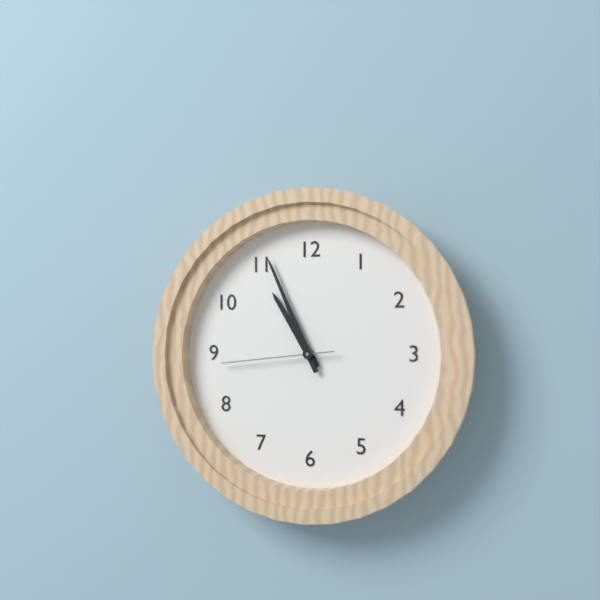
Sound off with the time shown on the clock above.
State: 10:56:44
